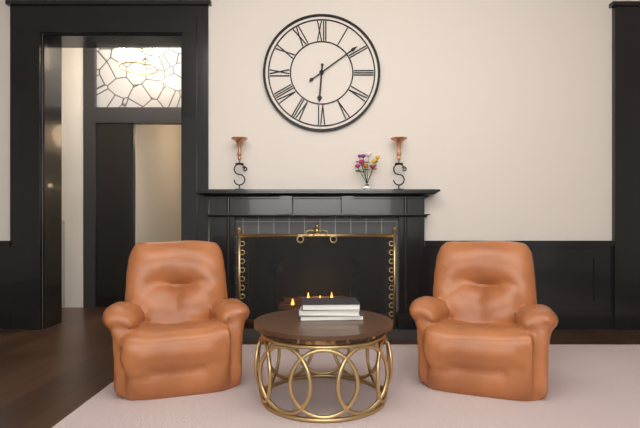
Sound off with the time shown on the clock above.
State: 6:09
